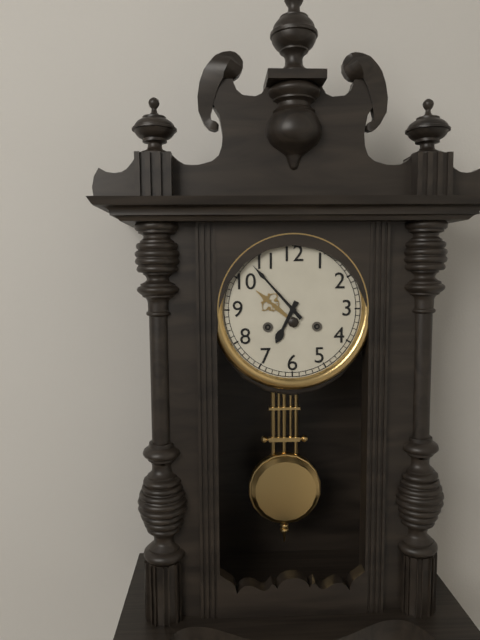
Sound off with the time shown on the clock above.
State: 6:53
